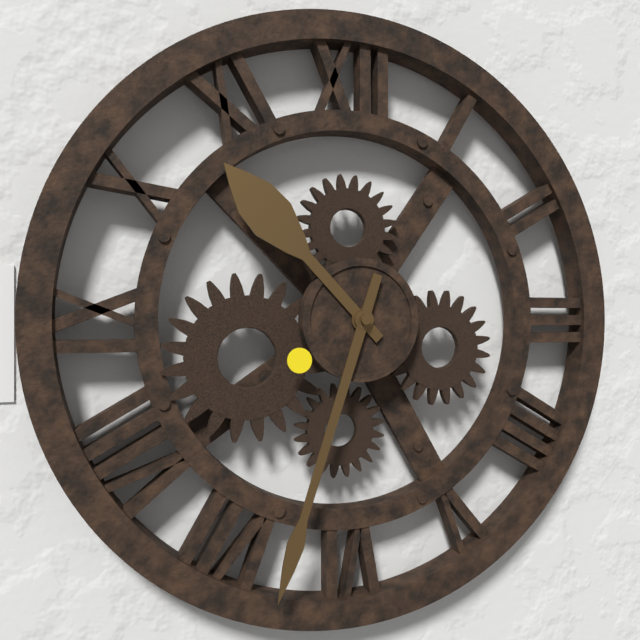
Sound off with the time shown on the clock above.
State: 10:33
